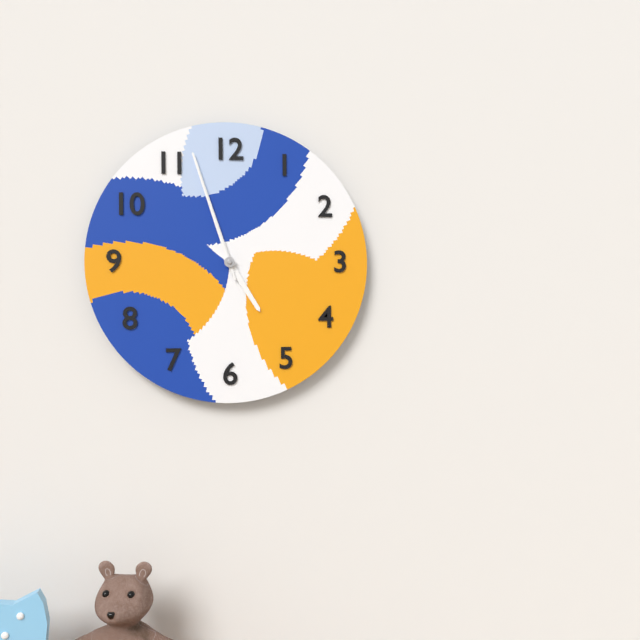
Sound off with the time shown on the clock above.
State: 4:57:57
